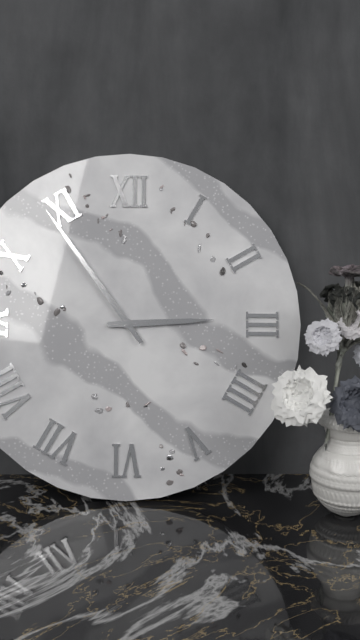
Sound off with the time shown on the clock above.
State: 2:54
